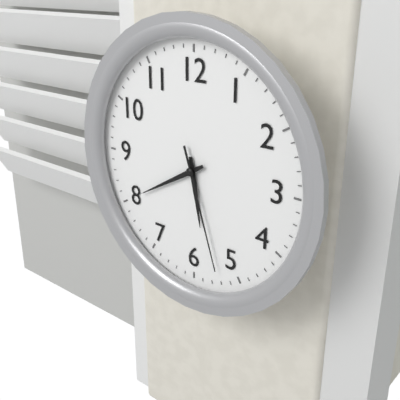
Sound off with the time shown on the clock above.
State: 5:40:27
